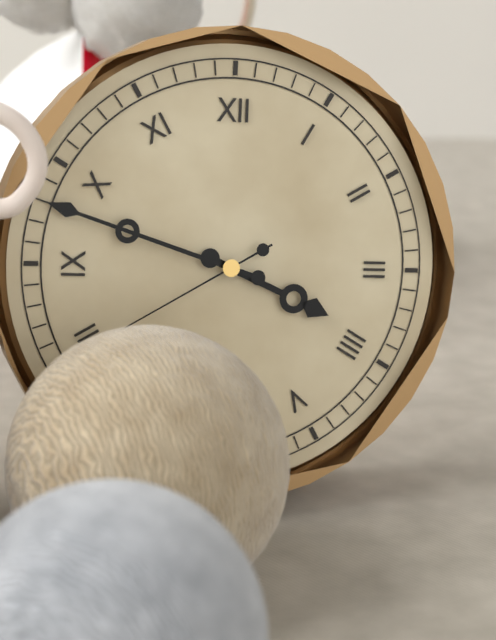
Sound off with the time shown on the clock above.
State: 3:48
